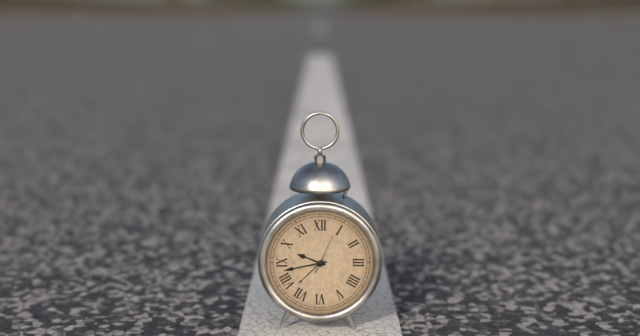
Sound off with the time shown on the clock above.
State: 9:43
